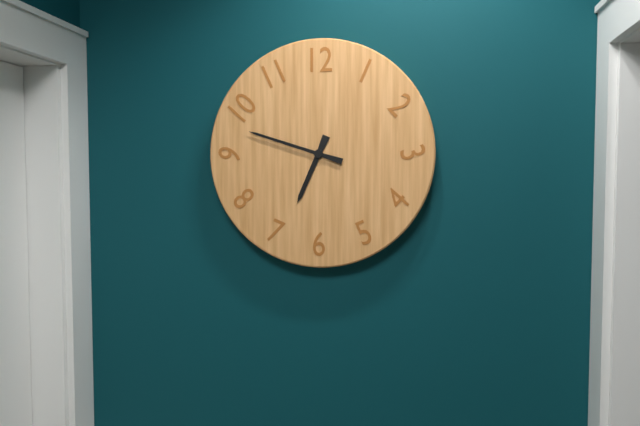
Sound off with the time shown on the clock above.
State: 6:48
